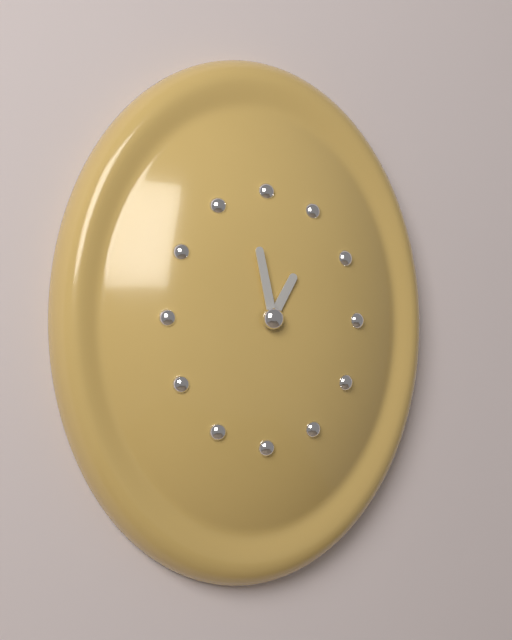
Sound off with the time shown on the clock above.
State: 12:58
